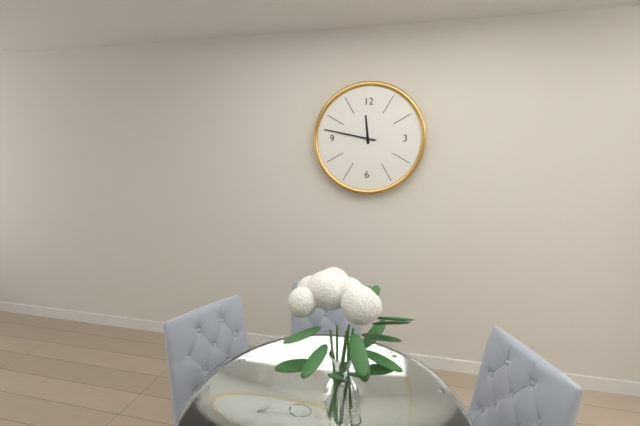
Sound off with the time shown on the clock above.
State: 11:47
